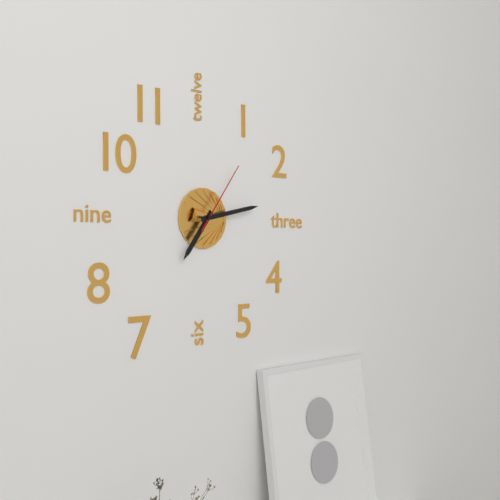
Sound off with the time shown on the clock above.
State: 7:13:06
